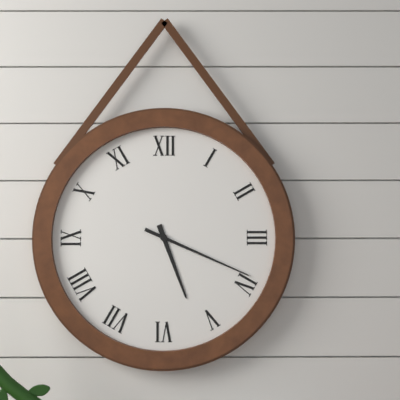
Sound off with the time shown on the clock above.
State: 5:19
